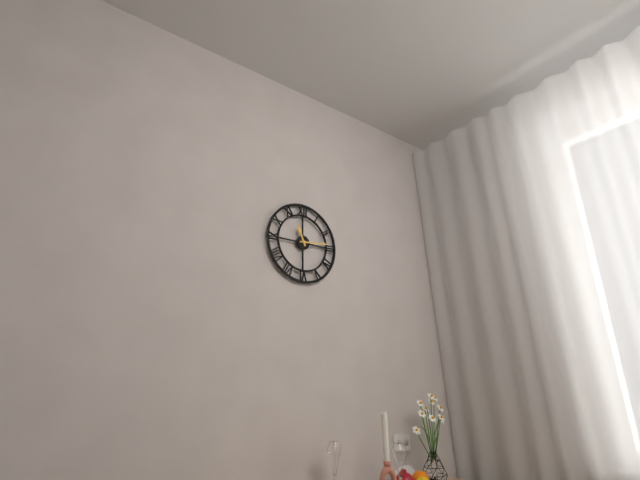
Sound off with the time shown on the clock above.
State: 11:14
